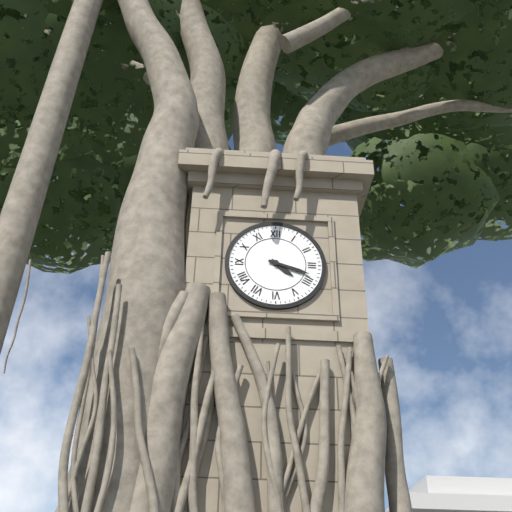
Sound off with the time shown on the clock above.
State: 4:18
